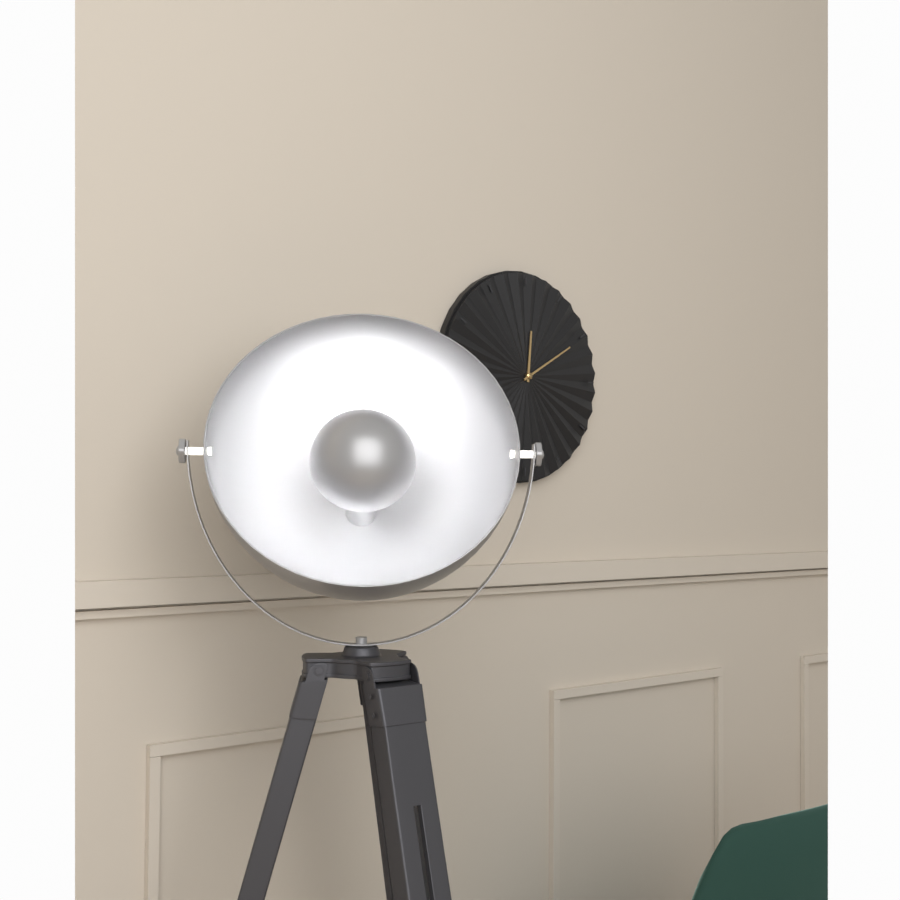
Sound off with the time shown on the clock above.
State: 12:10
